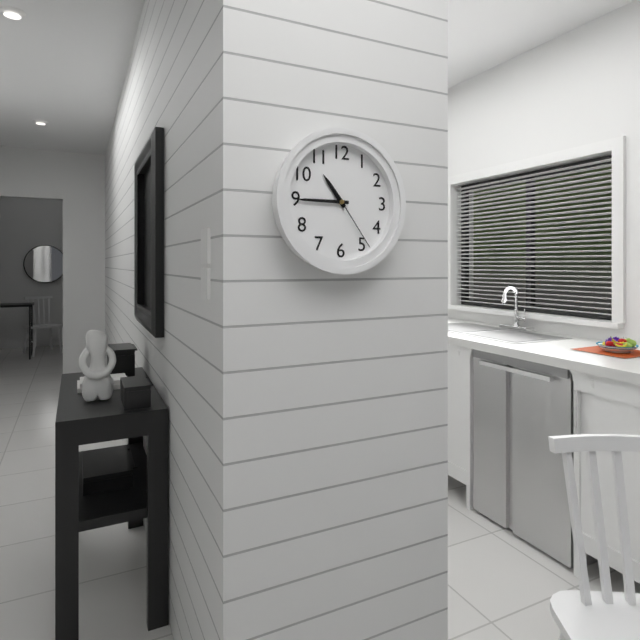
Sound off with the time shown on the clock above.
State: 10:45:24
